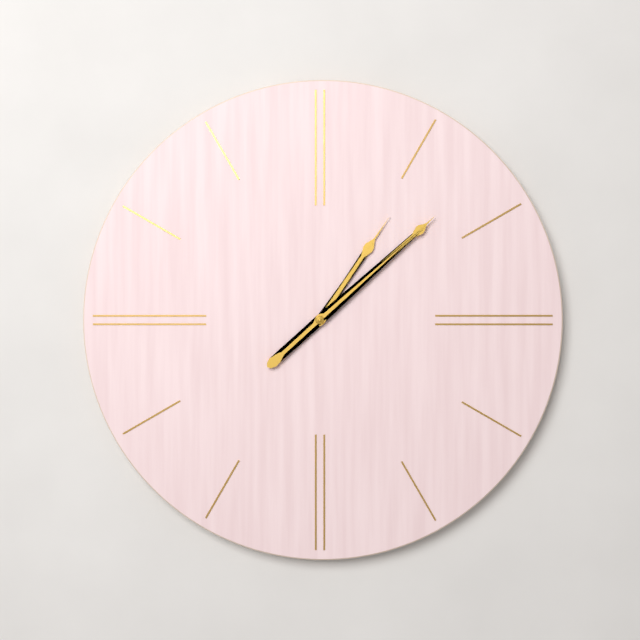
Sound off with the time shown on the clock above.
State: 1:08
